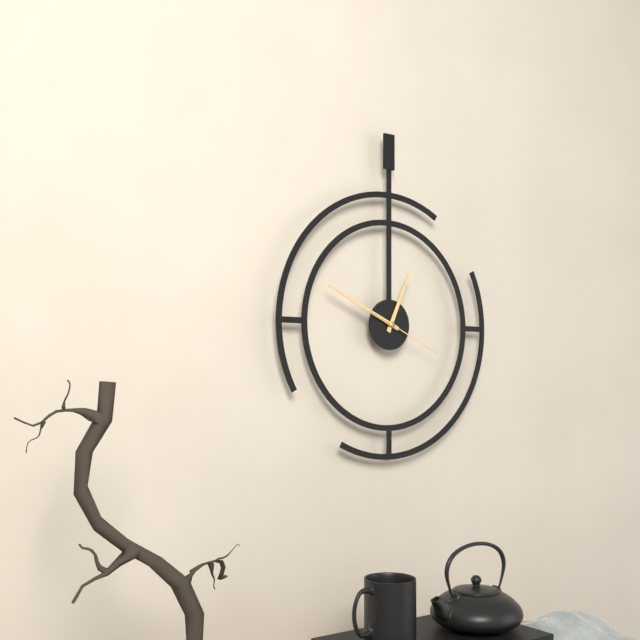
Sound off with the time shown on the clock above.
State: 12:49:19
